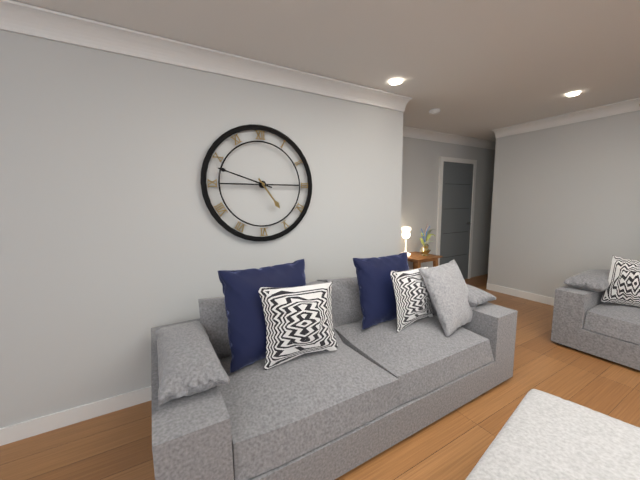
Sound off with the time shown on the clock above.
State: 4:48
